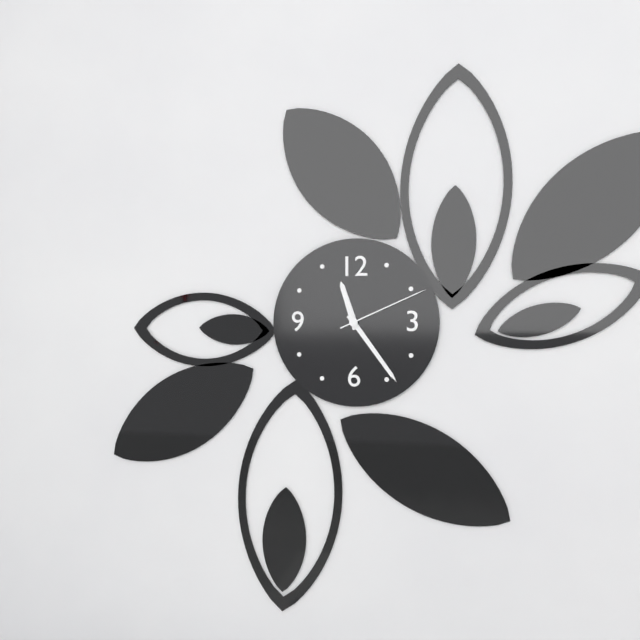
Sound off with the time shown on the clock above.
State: 11:24:11
